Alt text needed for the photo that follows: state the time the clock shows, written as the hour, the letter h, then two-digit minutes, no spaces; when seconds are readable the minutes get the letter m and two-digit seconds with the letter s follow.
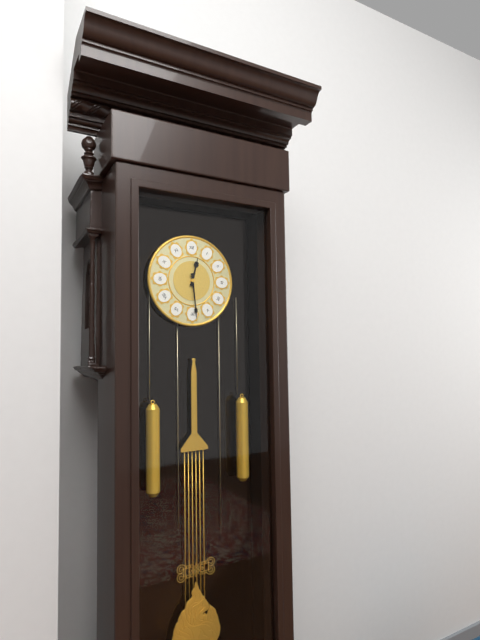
12h29
